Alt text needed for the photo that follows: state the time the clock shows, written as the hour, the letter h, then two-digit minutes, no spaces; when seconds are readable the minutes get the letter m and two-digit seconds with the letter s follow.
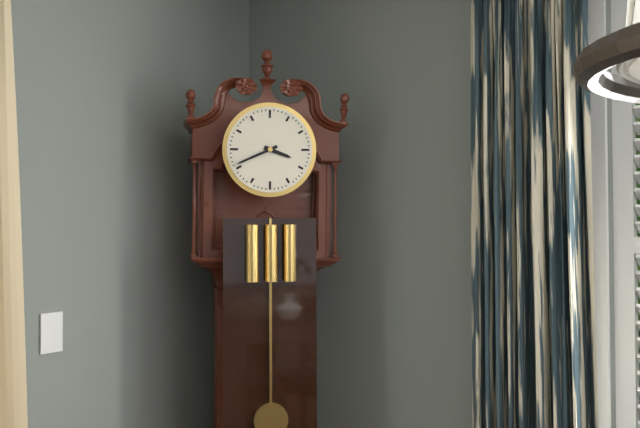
3h41
